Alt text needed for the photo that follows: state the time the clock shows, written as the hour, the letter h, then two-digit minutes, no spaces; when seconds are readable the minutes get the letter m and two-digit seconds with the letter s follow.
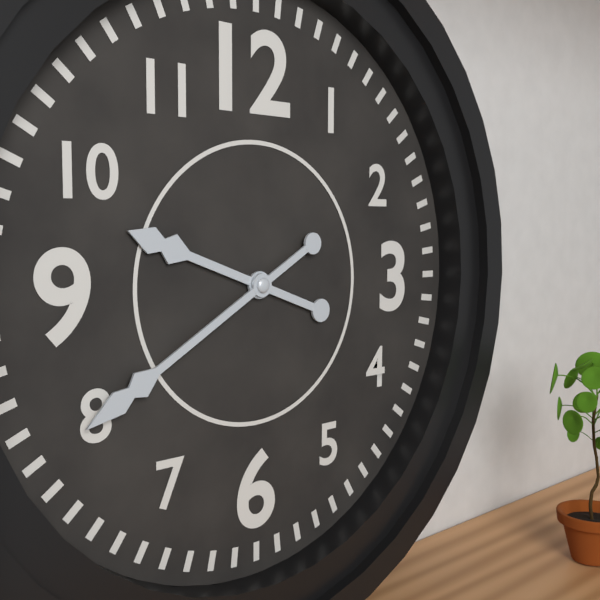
9h40
